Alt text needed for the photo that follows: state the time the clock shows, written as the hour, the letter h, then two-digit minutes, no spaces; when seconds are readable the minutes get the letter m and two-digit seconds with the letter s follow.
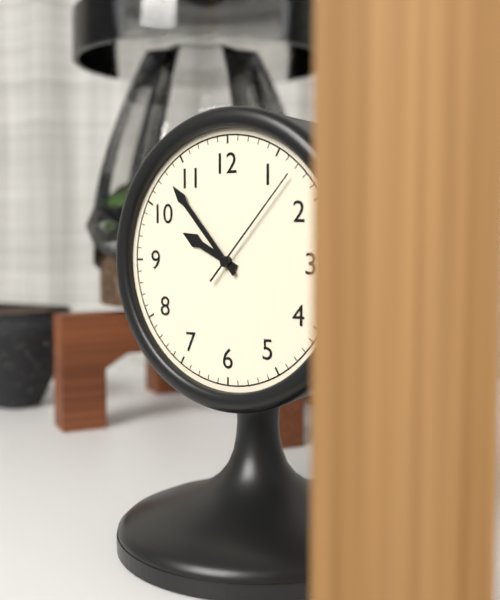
9h53m07s
